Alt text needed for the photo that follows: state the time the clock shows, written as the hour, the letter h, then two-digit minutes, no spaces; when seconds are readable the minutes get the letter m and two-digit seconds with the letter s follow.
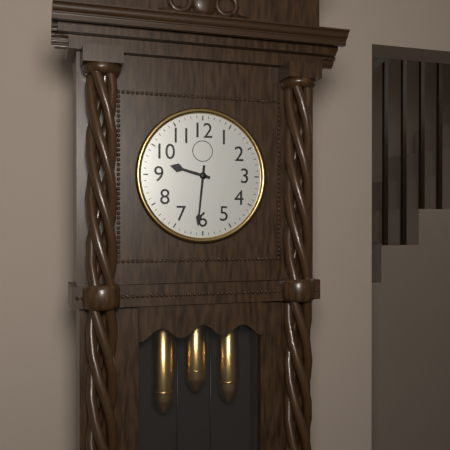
9h31
